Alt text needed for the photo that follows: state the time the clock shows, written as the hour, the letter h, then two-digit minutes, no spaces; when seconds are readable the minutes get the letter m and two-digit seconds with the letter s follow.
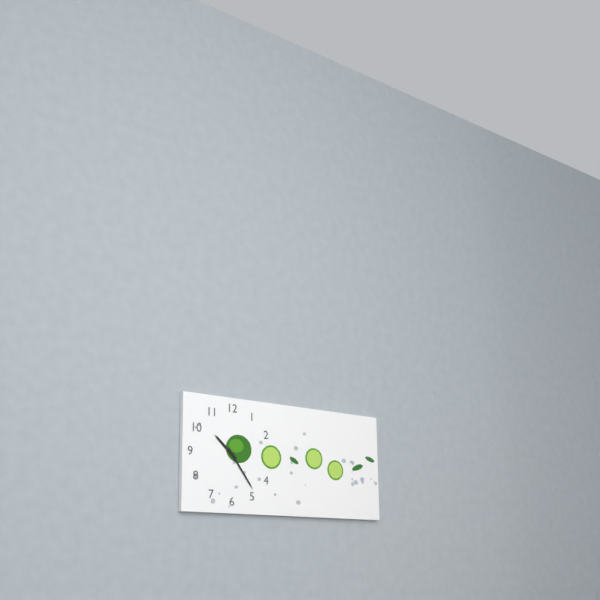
10h24
